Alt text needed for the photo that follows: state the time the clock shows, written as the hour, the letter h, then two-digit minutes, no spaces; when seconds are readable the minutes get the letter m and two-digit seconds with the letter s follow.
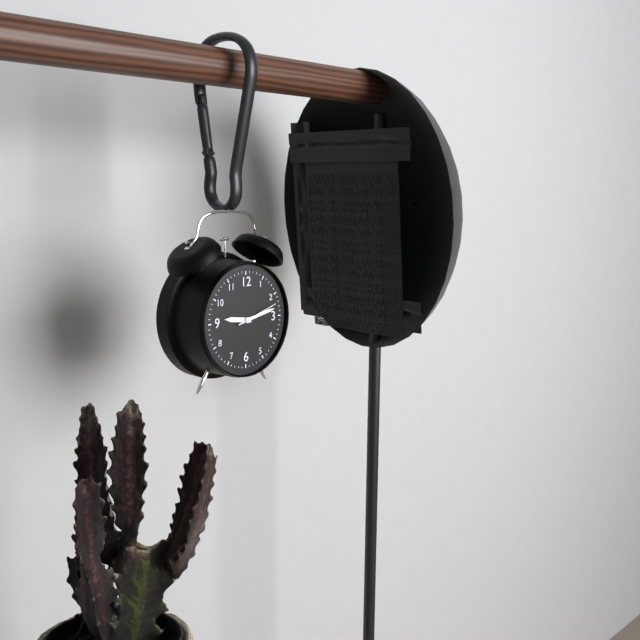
9h13
